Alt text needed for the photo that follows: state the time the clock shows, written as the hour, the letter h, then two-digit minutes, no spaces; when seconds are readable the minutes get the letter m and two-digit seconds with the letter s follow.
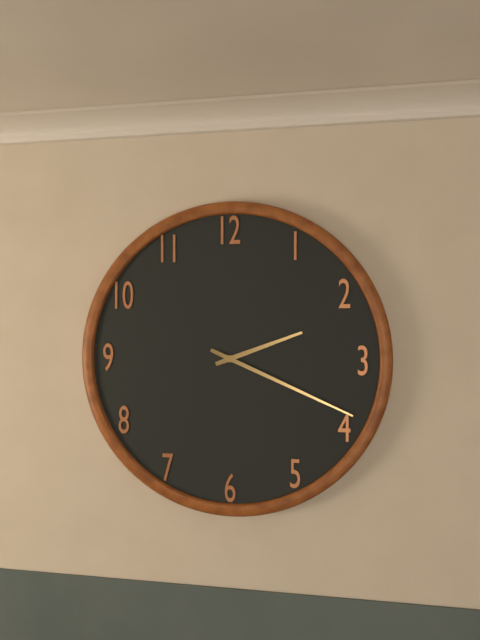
2h19
